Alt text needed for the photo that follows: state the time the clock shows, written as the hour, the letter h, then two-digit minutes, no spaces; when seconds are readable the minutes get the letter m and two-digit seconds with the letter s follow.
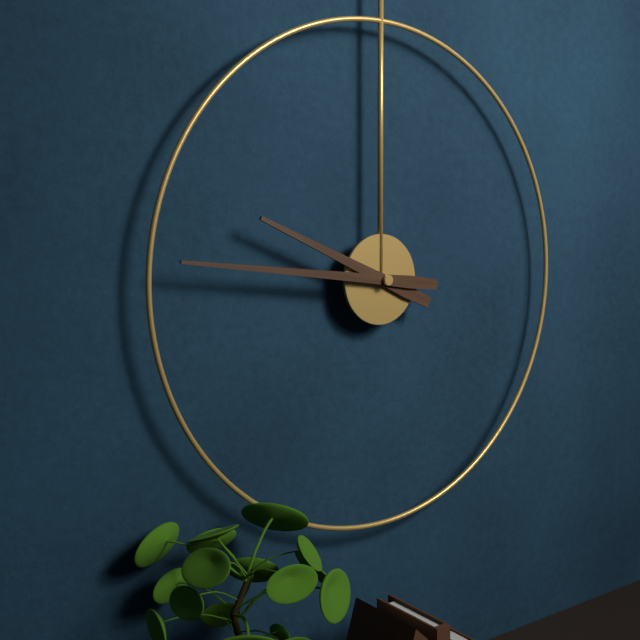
9h46
